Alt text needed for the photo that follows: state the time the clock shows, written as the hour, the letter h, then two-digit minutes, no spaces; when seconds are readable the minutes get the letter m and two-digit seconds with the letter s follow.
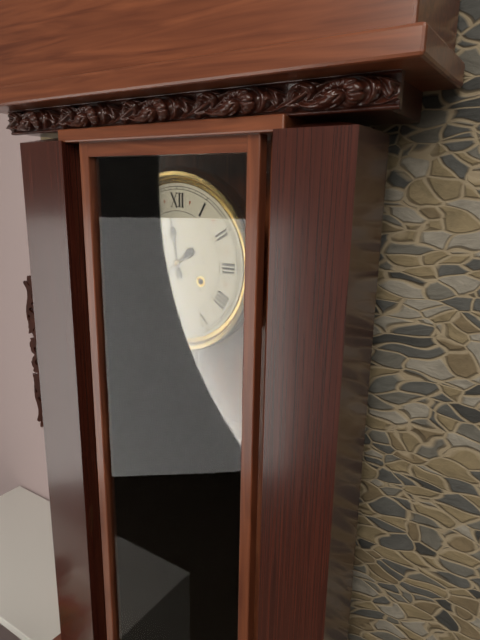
11h39
